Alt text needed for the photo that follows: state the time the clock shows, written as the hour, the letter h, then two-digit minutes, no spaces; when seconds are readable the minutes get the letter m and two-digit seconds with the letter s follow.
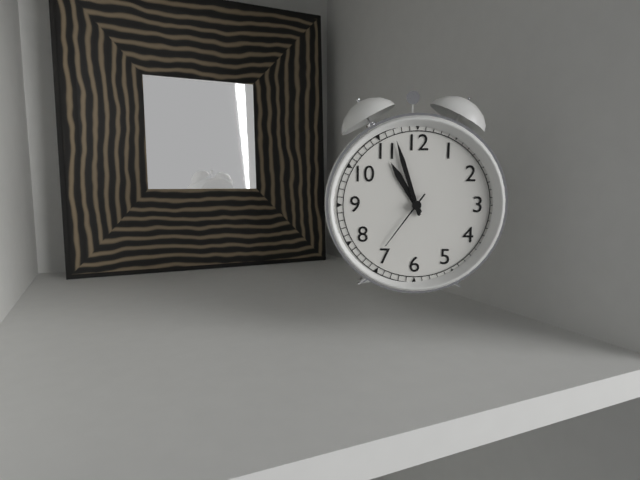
10h57m36s
